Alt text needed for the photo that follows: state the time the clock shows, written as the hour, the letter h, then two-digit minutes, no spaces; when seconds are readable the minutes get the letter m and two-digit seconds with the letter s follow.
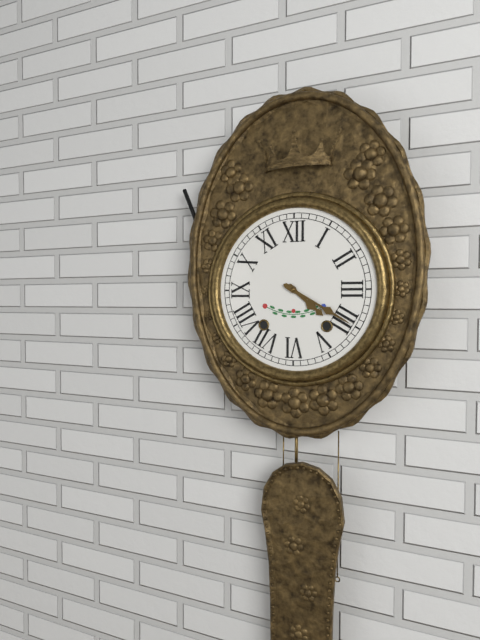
4h20
